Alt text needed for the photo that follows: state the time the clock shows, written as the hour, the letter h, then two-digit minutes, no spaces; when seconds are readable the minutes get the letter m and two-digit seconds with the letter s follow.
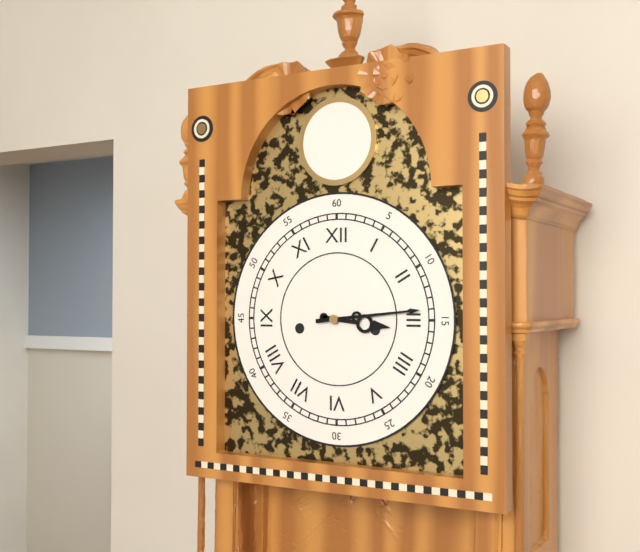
3h14
